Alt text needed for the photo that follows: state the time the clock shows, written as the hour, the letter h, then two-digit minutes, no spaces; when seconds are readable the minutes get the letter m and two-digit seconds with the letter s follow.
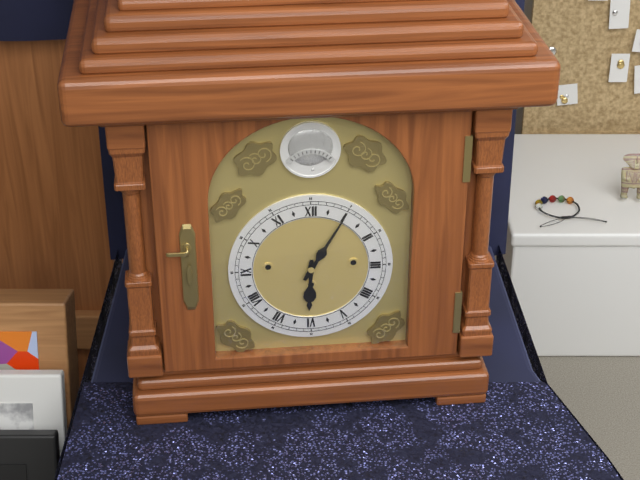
6h05
